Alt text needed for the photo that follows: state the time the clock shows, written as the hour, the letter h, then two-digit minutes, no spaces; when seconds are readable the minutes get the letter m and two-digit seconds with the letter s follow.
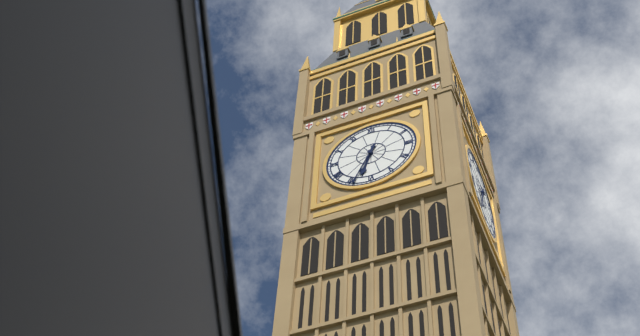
6h34
